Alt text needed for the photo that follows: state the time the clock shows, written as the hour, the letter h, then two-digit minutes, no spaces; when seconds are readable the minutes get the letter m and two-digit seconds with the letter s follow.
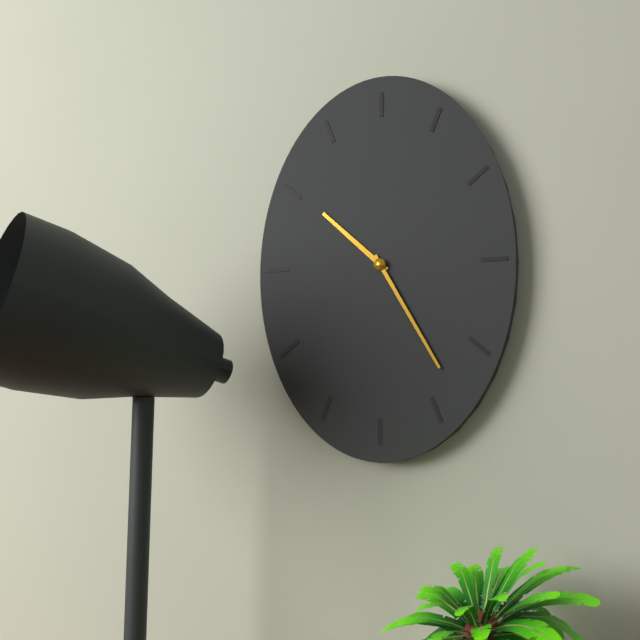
10h25
